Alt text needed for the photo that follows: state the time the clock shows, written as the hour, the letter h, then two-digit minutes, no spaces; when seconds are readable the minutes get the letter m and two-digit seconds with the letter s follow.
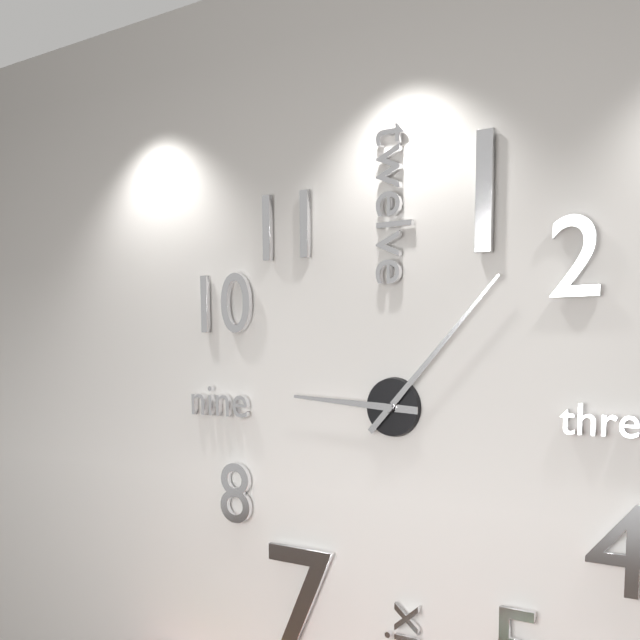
9h07
